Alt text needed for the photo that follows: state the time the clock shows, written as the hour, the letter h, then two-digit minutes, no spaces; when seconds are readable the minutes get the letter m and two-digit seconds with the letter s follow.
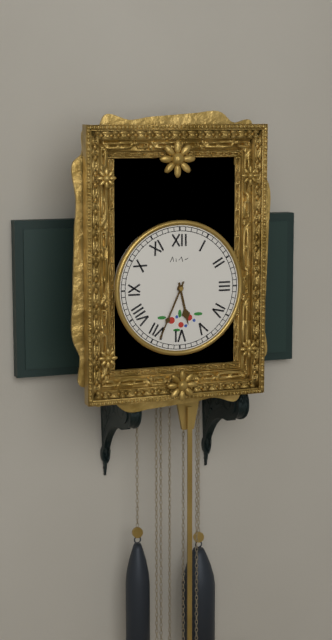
5h34
